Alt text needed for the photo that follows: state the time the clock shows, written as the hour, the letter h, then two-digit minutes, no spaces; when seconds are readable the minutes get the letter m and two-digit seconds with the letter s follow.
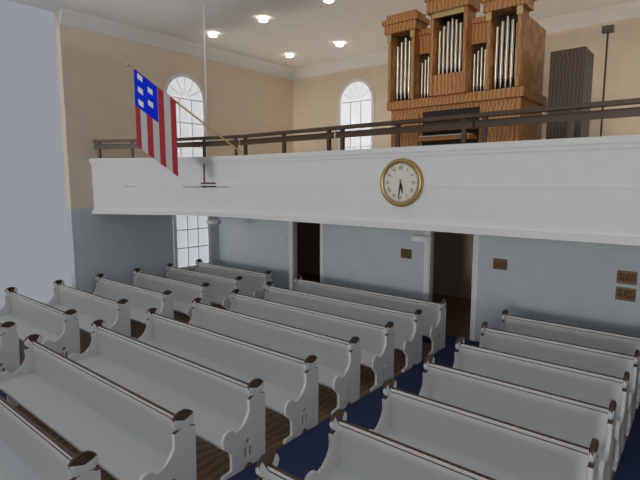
5h31
